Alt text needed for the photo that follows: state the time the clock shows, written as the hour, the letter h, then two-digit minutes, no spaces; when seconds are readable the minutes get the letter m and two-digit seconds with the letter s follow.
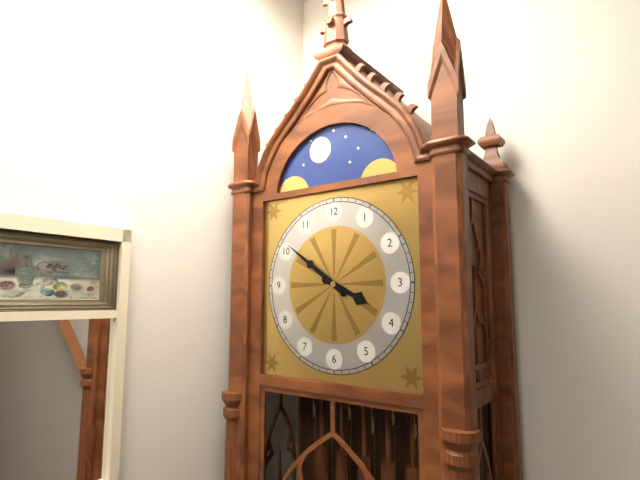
3h51
